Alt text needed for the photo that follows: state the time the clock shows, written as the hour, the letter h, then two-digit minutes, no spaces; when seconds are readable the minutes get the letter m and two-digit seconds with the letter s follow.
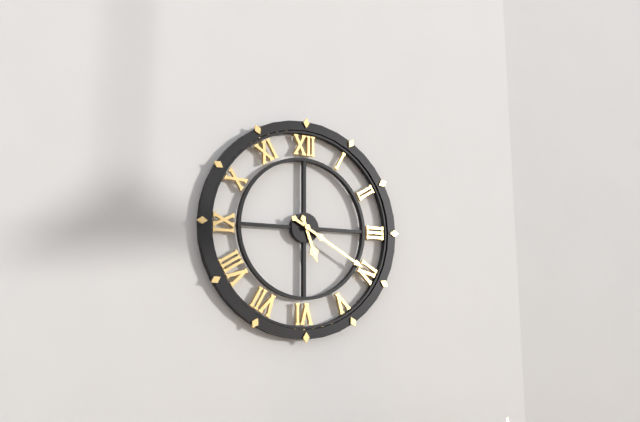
5h20
